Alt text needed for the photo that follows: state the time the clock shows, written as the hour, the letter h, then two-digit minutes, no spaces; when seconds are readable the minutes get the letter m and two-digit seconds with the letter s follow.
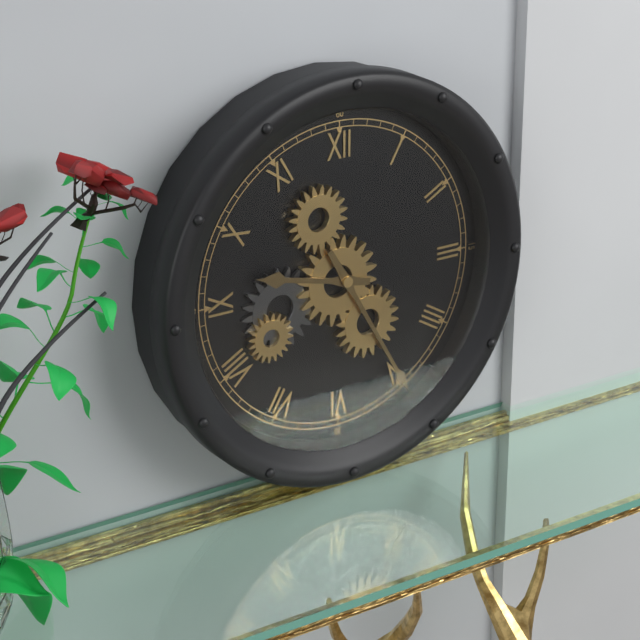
9h25
